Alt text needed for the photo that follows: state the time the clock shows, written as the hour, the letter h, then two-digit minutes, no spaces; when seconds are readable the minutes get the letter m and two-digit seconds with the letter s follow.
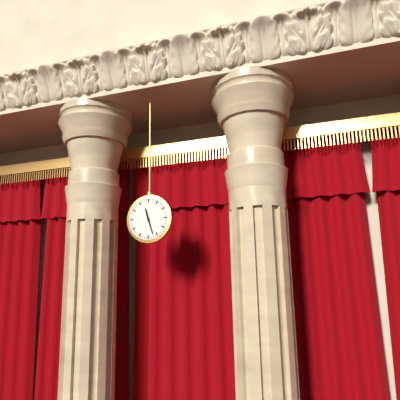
11h27
